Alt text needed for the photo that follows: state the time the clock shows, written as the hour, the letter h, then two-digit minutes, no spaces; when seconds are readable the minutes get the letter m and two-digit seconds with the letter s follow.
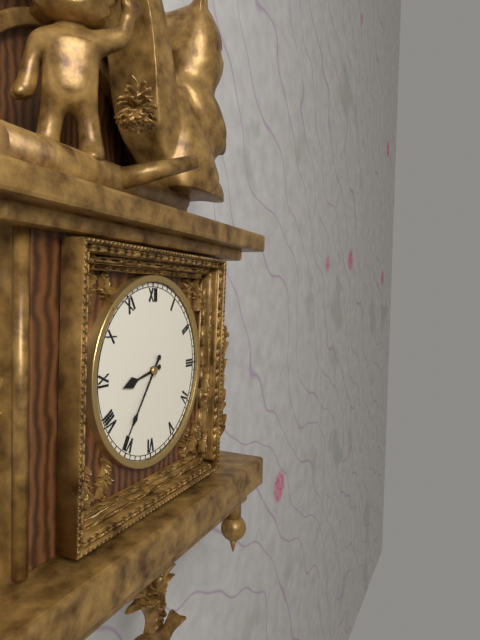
8h36
